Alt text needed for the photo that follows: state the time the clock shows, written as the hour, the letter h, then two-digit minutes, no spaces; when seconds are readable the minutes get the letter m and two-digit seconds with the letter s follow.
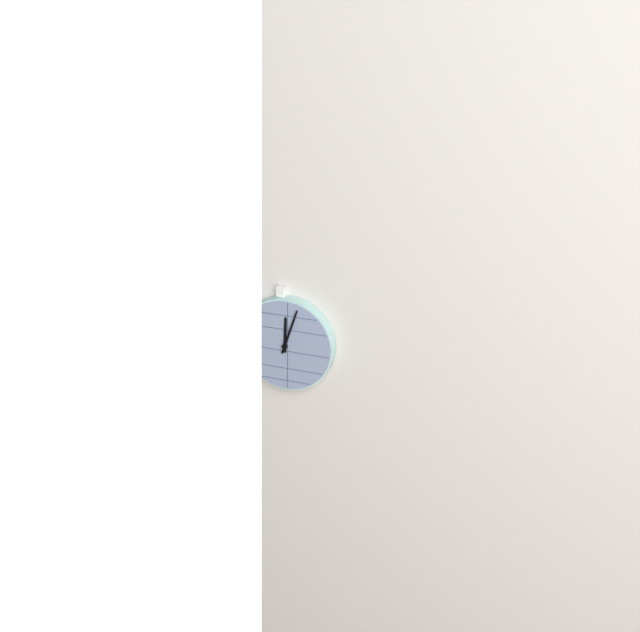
12h03
